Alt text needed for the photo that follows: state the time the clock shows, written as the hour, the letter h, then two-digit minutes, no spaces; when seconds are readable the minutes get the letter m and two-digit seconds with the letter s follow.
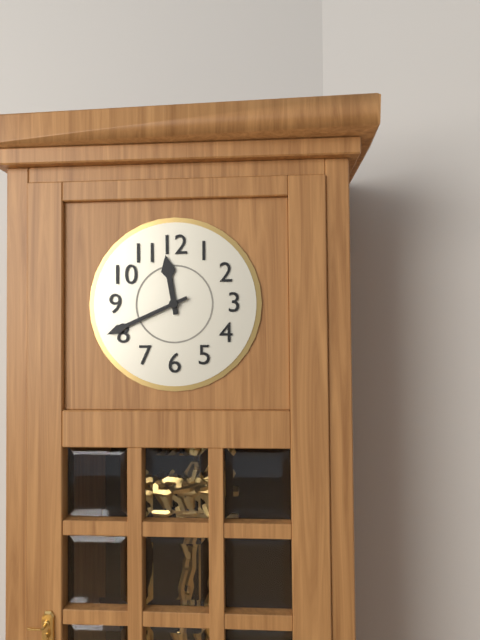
11h41
